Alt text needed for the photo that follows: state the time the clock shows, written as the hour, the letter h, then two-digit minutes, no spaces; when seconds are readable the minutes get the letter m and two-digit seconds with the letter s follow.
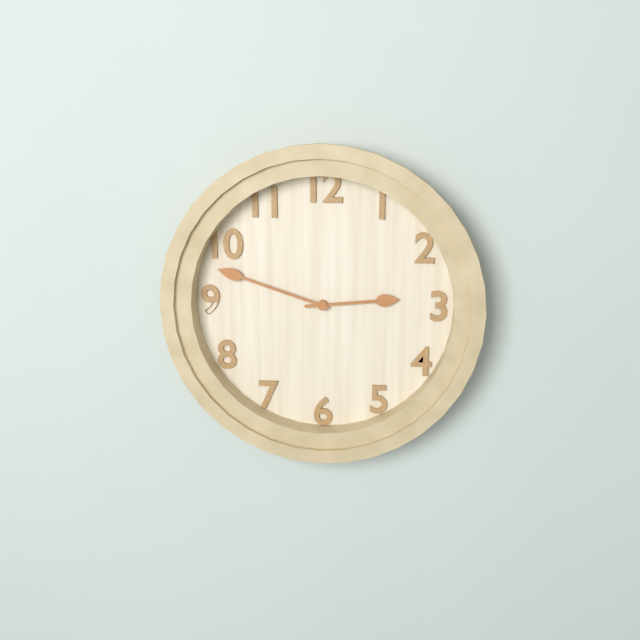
2h48
